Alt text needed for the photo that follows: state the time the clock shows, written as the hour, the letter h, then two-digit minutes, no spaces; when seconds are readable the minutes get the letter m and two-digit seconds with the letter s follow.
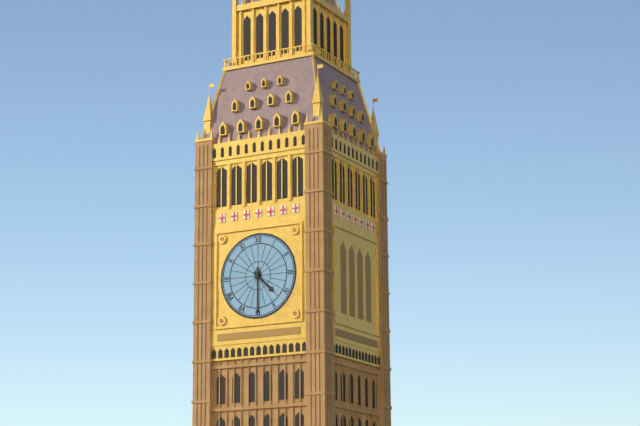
4h30
